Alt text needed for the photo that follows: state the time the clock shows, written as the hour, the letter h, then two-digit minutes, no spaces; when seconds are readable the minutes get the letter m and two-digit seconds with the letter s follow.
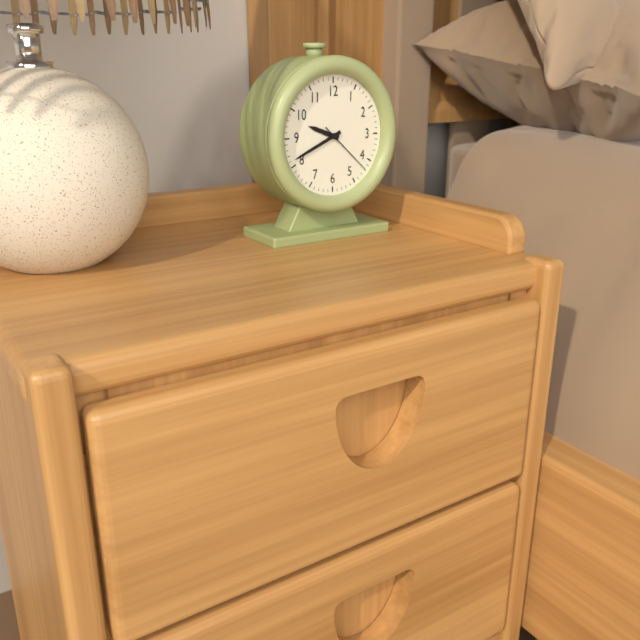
9h41m22s
